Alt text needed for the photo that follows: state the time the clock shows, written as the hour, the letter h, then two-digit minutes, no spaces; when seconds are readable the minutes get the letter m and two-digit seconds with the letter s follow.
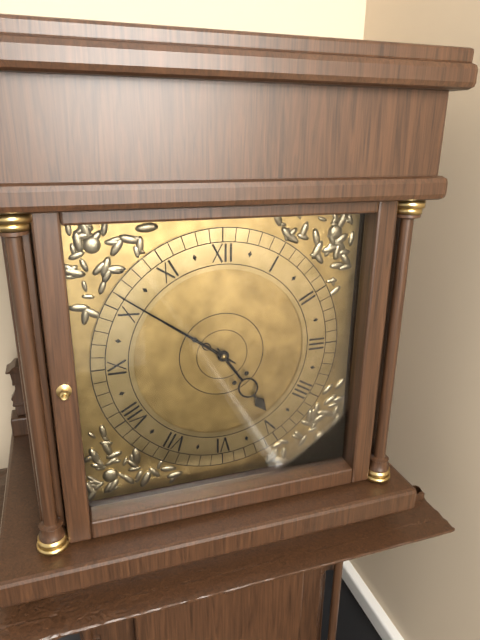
4h51
